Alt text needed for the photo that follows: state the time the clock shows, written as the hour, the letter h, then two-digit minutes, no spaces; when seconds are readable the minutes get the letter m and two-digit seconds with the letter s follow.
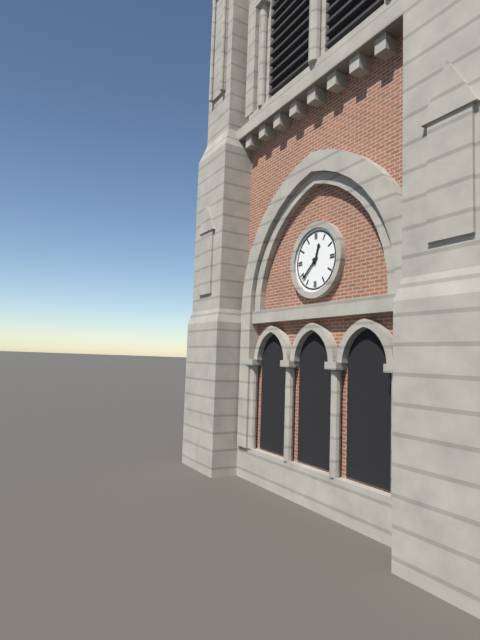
12h38
